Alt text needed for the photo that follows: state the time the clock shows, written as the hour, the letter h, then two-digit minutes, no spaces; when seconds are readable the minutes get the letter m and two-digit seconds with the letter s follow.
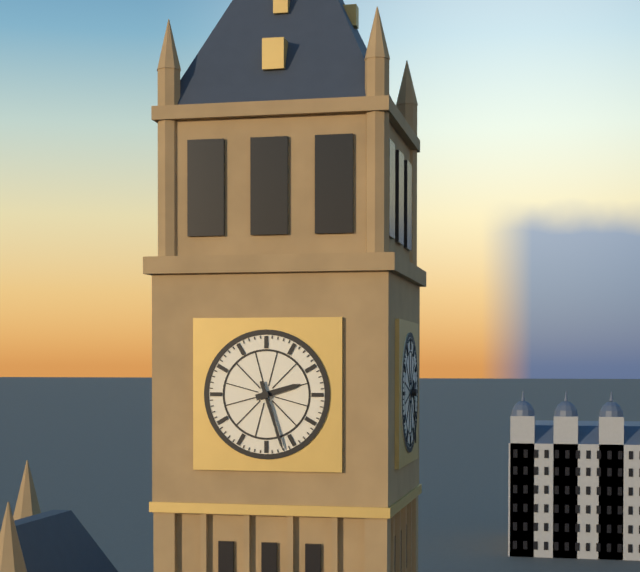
2h27
